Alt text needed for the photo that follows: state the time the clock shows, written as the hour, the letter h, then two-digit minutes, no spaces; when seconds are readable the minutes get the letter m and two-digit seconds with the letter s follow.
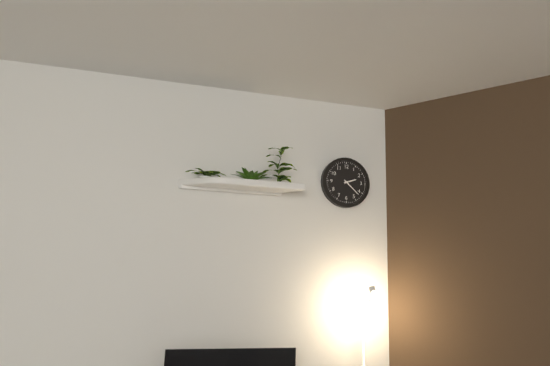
2h22
